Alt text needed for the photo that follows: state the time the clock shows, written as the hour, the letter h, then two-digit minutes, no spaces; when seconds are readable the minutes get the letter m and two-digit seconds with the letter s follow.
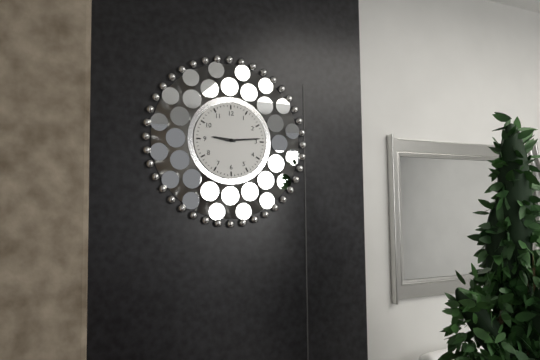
9h14
